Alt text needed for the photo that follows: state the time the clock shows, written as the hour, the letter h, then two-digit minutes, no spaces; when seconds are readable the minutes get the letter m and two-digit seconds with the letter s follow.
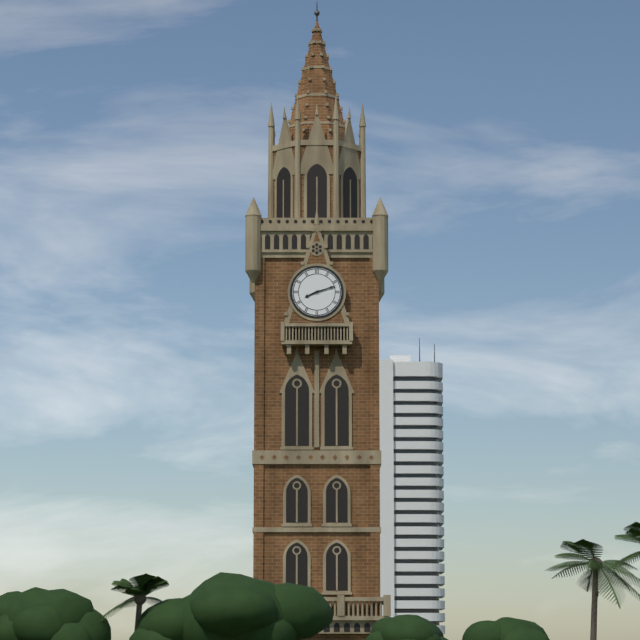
8h12
